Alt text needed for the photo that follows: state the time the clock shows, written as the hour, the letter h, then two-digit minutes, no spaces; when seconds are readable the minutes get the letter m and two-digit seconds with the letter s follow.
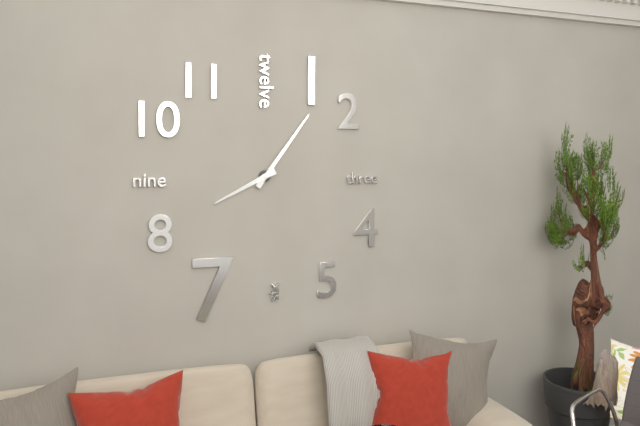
8h06
